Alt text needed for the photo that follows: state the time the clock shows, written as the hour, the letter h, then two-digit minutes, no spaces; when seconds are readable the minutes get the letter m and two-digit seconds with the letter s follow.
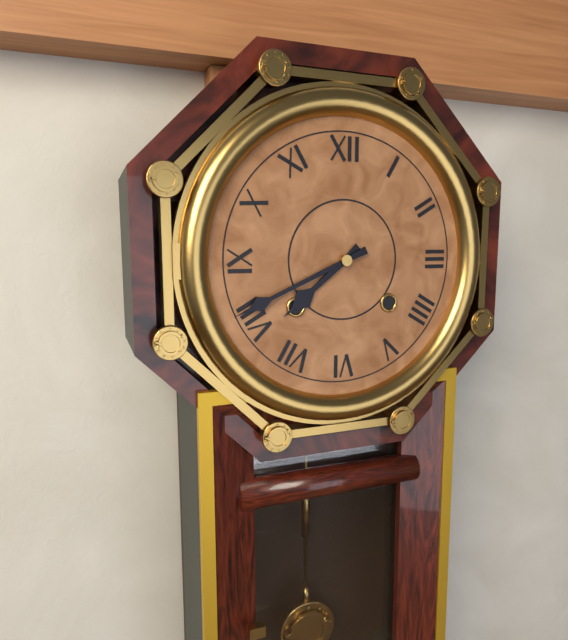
7h41
